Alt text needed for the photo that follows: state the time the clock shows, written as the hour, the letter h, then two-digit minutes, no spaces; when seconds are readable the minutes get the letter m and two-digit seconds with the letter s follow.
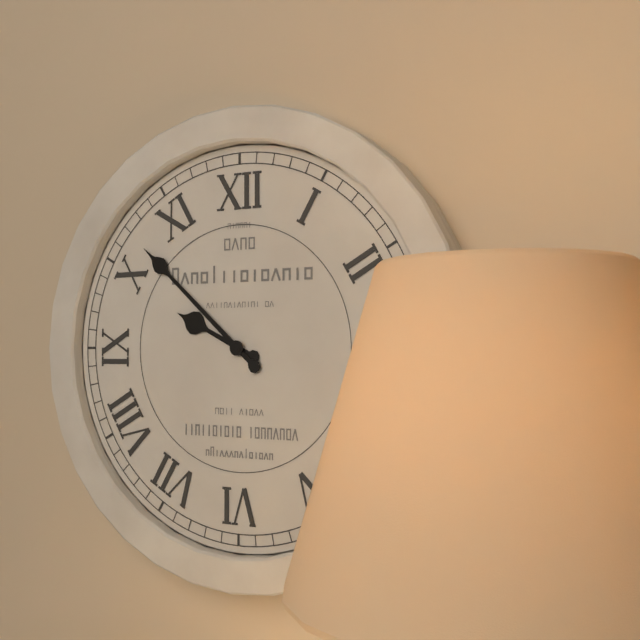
9h52
